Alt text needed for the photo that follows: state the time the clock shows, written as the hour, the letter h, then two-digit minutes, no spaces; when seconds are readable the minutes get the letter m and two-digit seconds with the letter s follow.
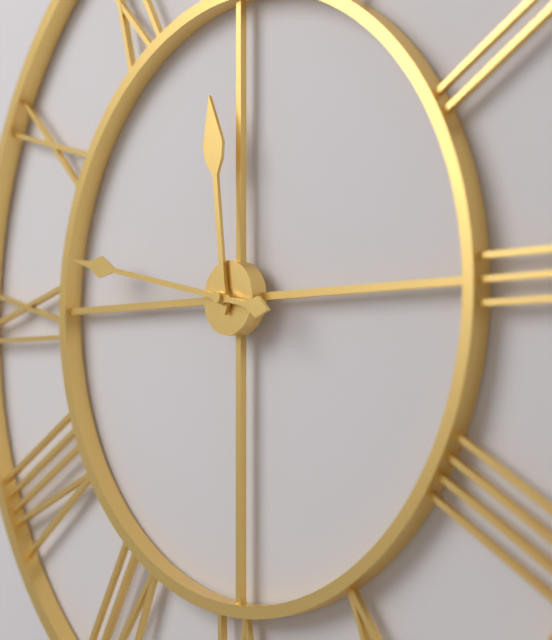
11h47
